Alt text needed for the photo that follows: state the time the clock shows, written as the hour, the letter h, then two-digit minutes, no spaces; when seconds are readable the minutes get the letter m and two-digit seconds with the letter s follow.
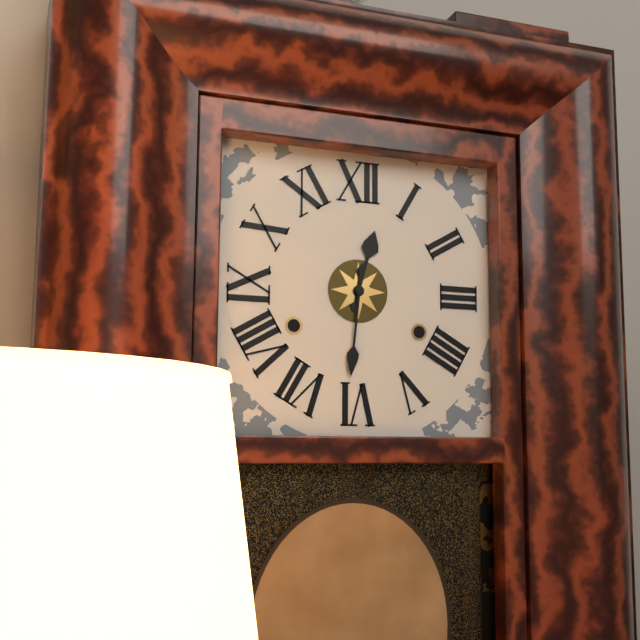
12h31
